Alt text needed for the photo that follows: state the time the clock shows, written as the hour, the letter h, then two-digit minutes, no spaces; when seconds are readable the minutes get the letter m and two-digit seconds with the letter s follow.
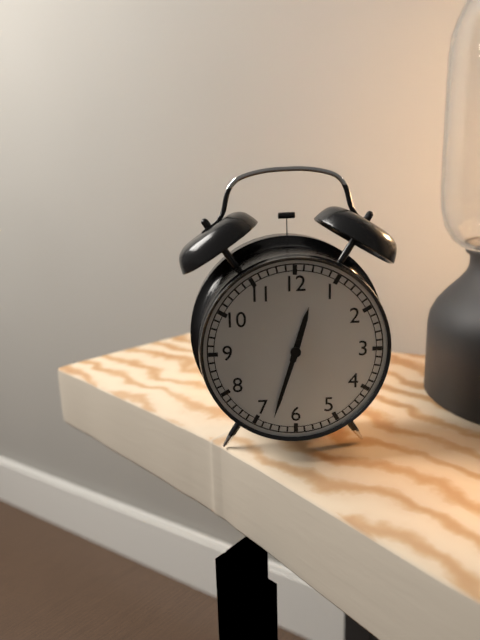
12h33
